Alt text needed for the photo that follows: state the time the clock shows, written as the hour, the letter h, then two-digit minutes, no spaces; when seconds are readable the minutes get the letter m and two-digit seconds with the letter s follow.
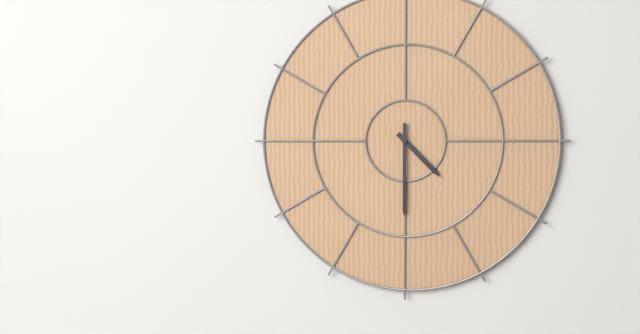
4h30
